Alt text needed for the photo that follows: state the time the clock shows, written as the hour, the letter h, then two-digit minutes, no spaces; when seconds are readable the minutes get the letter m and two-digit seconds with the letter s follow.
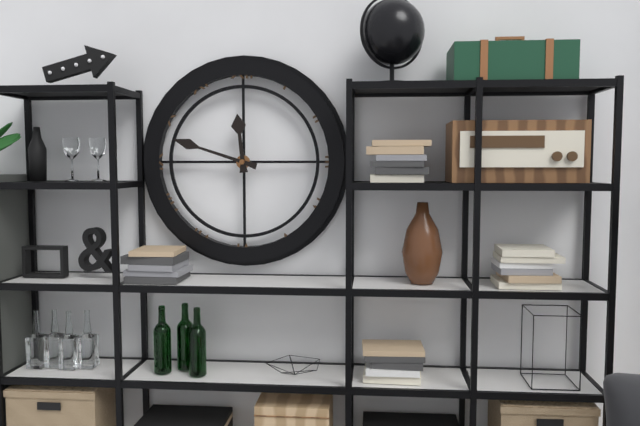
11h48
